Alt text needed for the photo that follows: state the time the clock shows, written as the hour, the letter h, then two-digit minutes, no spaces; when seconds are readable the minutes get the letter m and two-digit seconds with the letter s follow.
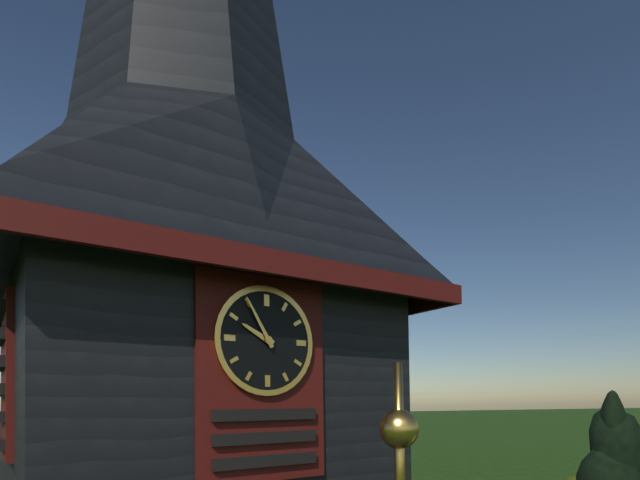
9h55
